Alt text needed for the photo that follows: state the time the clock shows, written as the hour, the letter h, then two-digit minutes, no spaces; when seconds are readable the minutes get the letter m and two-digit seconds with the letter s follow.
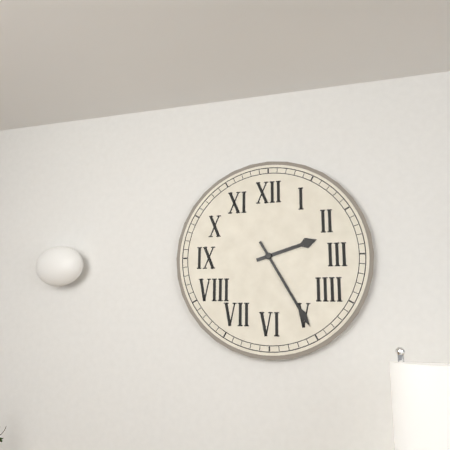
2h25
